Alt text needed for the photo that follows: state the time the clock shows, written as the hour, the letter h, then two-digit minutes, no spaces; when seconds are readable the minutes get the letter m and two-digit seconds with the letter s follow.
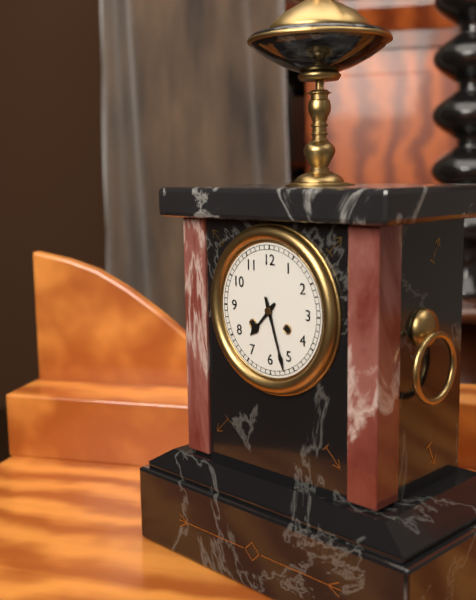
7h27
